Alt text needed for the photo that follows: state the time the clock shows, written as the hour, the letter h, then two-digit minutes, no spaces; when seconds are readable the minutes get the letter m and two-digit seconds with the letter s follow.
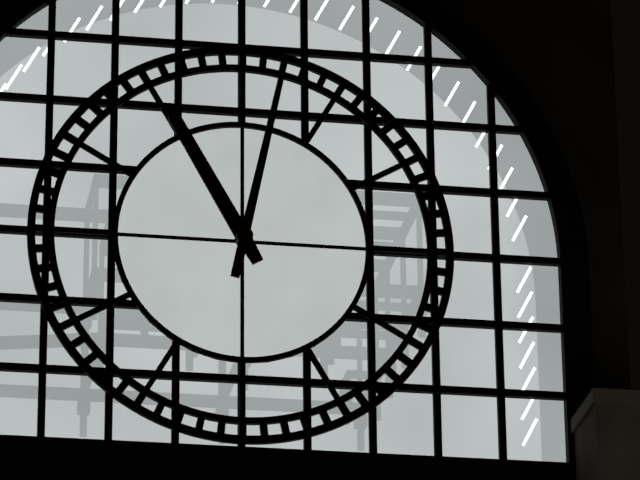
11h02
